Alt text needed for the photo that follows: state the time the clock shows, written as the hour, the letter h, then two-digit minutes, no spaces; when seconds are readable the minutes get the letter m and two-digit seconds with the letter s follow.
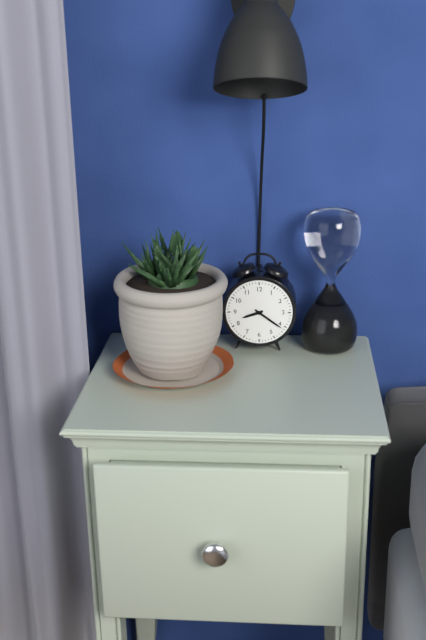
8h21
